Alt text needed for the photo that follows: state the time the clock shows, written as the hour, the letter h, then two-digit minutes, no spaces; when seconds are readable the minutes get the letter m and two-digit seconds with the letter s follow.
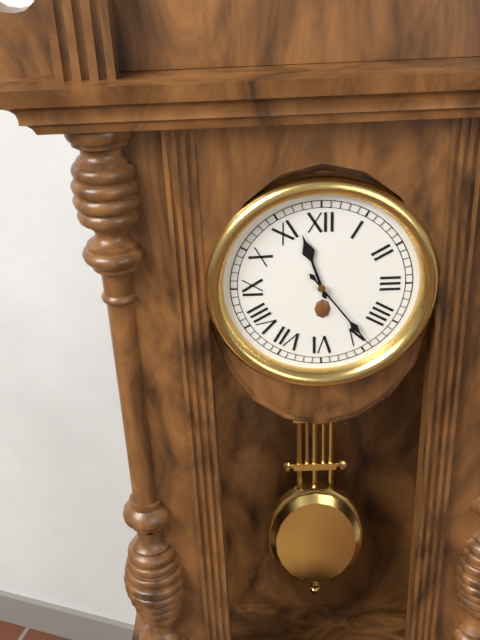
11h24
